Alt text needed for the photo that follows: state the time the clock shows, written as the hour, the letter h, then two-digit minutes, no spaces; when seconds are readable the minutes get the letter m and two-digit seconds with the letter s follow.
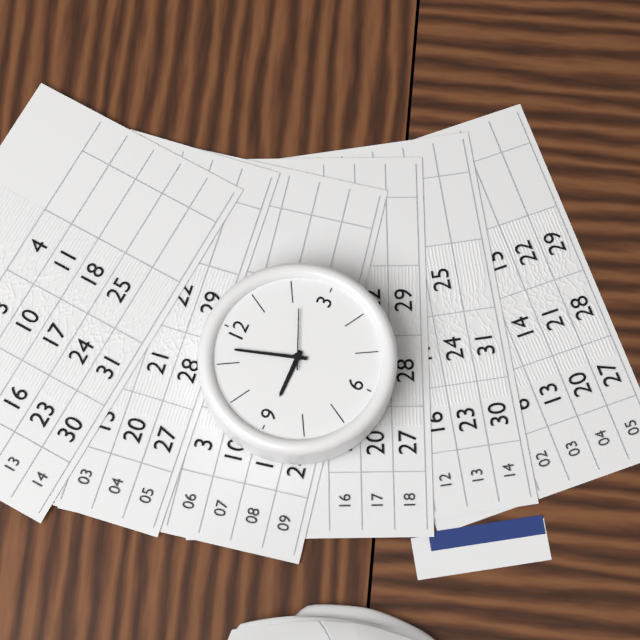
8h57m11s
